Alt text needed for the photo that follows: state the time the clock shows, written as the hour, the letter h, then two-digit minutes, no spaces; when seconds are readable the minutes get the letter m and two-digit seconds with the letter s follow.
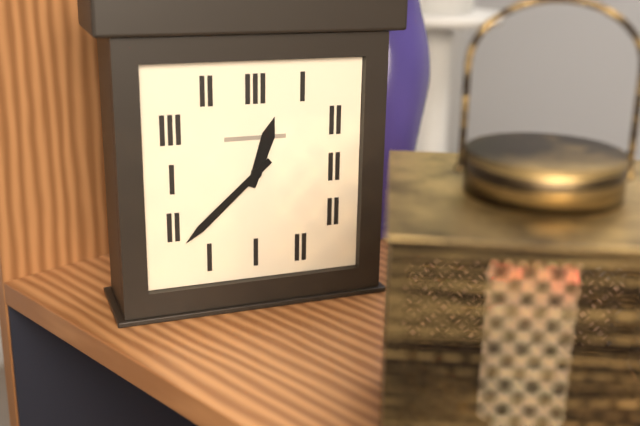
12h38
